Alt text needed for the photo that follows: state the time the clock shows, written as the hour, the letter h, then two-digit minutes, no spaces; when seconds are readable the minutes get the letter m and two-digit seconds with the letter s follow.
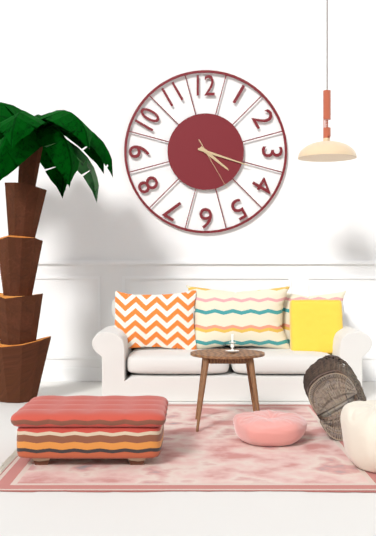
4h18m25s
